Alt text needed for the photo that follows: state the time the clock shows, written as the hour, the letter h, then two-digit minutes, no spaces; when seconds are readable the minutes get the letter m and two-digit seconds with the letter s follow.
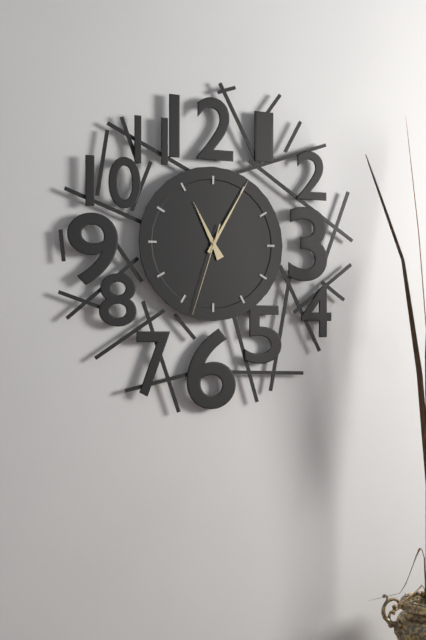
11h05m33s
